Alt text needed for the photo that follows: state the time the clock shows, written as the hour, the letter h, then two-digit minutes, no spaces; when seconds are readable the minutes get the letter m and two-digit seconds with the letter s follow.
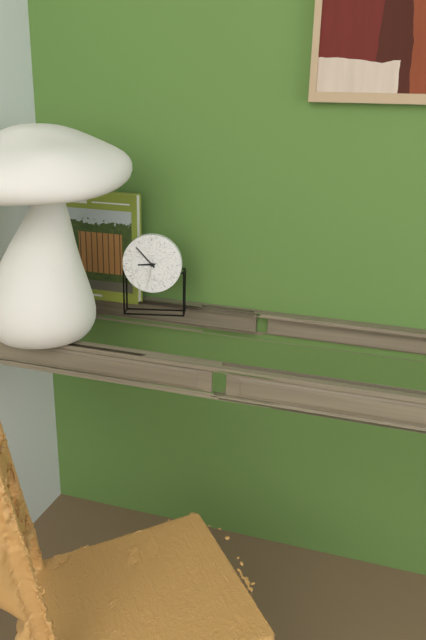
8h53
